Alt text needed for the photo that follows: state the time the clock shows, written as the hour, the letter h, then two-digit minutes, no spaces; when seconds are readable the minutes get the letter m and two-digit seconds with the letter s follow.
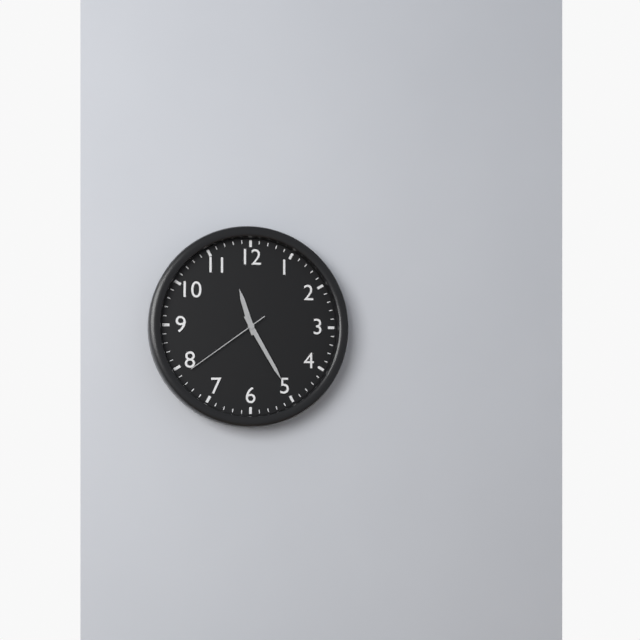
11h25m39s
